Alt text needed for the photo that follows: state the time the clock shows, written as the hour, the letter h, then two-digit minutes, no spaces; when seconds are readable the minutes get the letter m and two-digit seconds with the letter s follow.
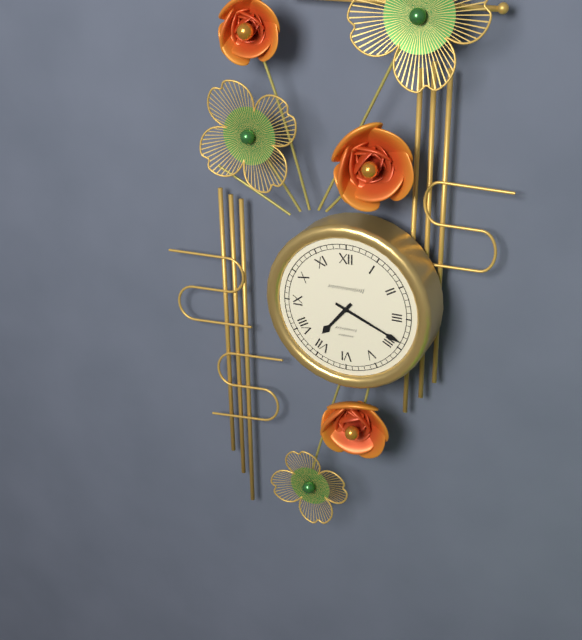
7h19
